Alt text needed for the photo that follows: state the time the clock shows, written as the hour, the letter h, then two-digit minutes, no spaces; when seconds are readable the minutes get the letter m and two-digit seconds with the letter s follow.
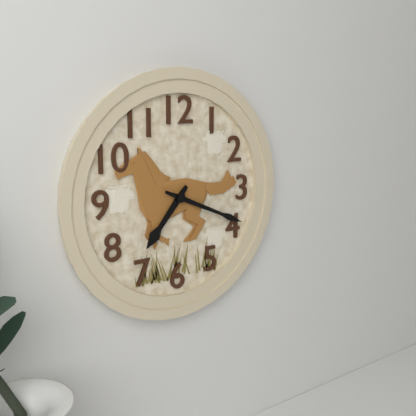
7h19
